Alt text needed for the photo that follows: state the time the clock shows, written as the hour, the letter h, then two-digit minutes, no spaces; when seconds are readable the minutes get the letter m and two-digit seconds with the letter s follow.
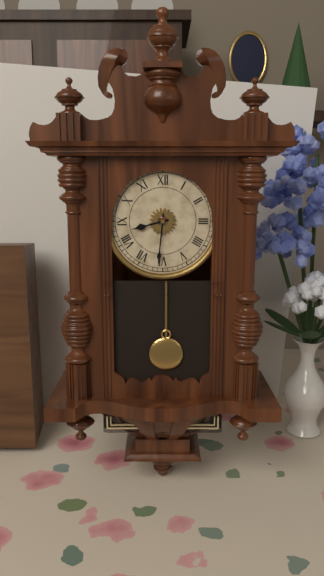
8h31
